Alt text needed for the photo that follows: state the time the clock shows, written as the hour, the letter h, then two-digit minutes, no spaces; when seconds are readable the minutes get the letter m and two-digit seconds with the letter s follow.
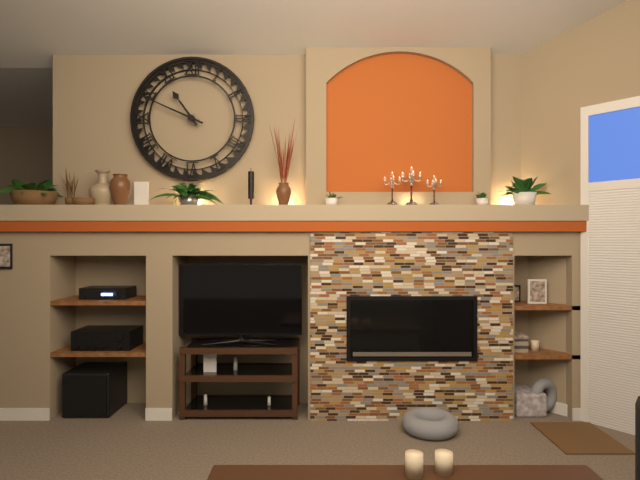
10h49
